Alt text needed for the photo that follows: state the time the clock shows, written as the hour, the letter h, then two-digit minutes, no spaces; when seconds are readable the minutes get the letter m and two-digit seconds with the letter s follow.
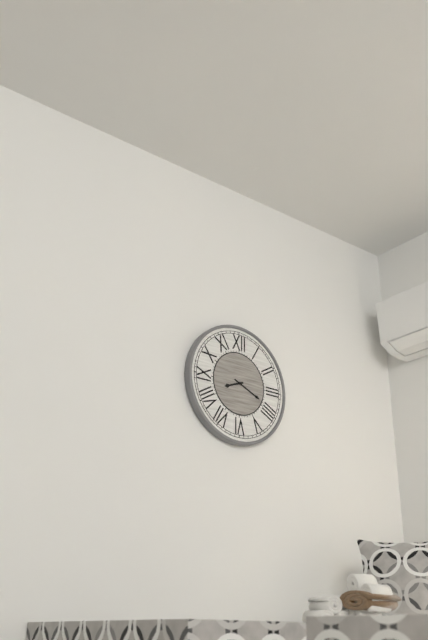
8h19
